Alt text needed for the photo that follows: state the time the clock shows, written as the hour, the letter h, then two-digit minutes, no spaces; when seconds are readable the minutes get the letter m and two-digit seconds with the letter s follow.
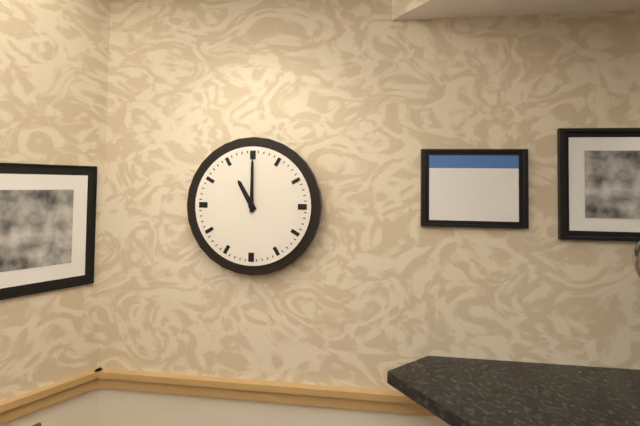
11h00
